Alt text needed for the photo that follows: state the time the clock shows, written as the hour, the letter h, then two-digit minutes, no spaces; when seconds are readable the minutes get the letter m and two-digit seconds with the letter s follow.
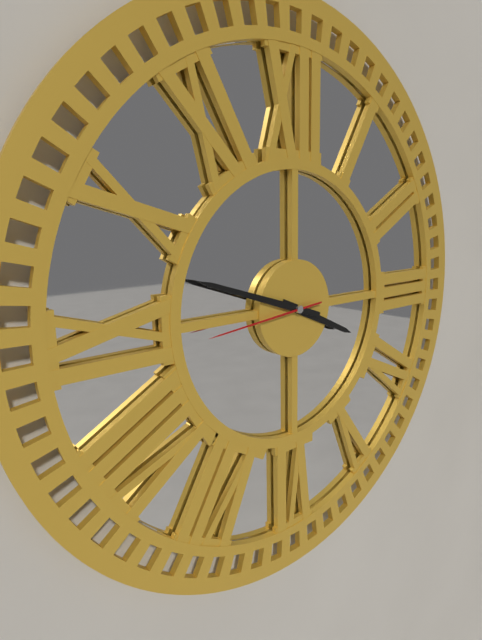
3h48m44s
